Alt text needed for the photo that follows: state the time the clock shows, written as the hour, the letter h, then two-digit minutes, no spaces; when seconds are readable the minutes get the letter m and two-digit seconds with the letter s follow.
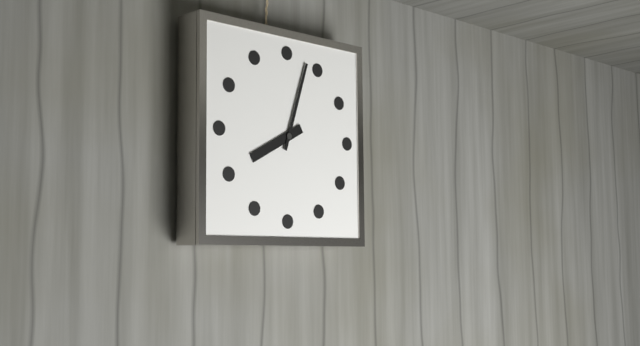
8h03
